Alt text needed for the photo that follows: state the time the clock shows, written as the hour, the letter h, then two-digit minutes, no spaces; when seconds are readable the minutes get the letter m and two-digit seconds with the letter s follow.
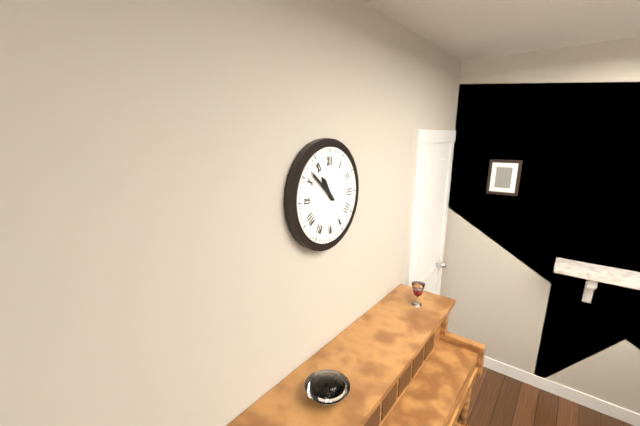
10h52
